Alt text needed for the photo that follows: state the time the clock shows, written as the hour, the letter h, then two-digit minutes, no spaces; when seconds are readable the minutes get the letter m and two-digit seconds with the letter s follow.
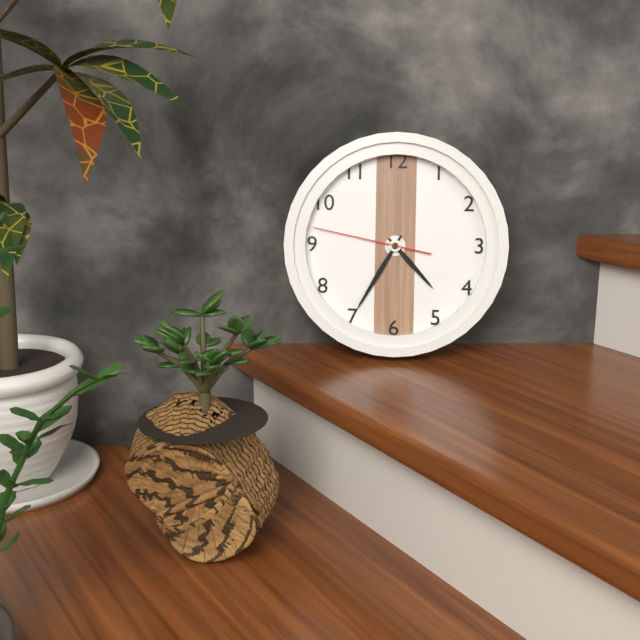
4h35m47s
